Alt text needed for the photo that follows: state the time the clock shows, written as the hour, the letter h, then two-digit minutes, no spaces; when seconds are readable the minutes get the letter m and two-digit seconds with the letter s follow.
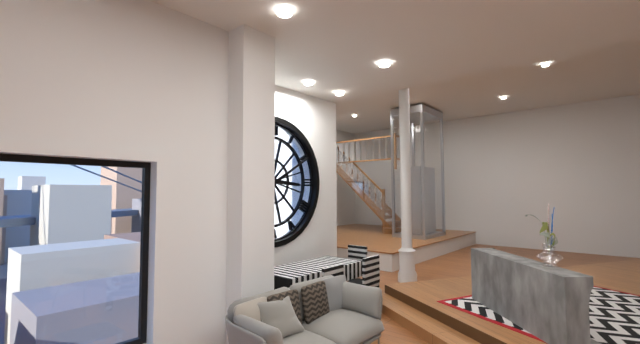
3h10
